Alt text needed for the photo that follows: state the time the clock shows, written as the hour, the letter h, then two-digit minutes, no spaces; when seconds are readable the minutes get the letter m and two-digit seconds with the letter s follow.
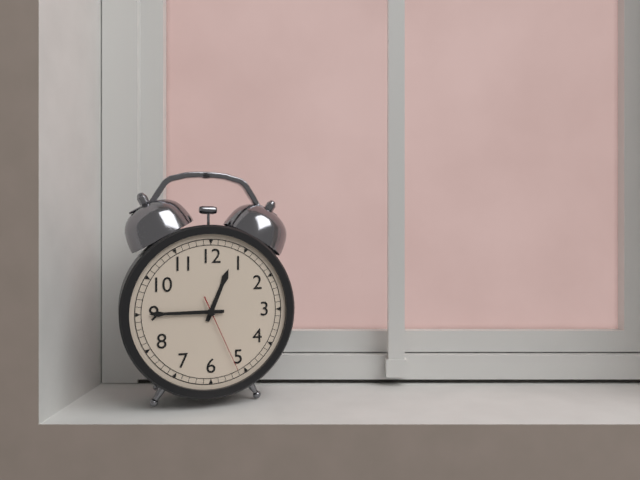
12h45m26s
